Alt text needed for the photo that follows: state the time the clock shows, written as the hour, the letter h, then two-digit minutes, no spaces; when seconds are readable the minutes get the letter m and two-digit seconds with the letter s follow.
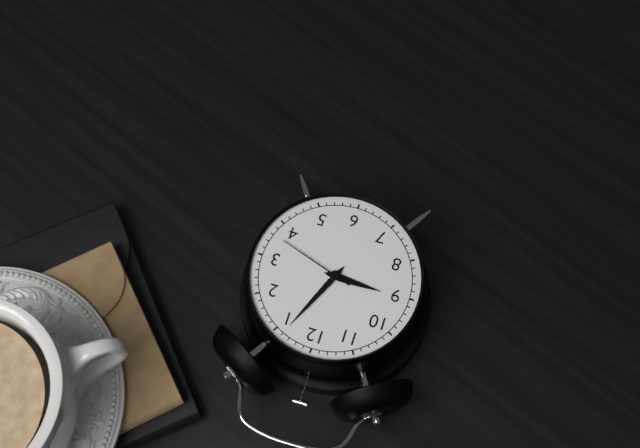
9h04m18s
